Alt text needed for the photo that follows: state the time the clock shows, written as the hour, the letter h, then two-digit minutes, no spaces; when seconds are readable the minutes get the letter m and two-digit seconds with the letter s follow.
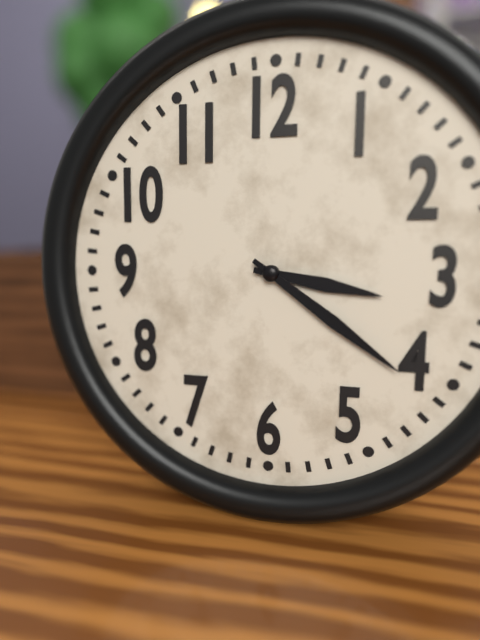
3h21
